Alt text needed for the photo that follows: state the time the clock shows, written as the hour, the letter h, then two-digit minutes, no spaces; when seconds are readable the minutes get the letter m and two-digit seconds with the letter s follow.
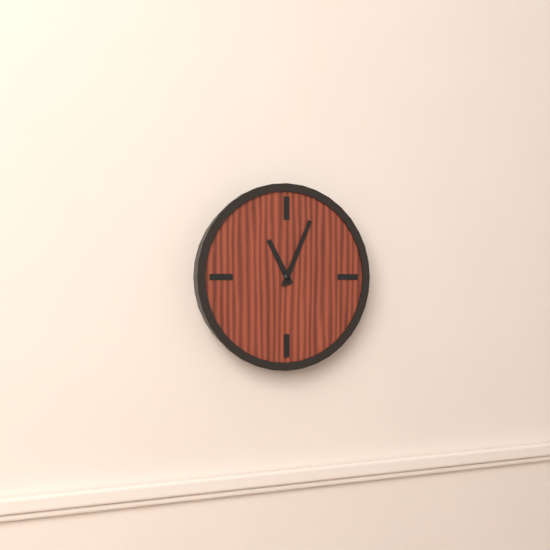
11h04
